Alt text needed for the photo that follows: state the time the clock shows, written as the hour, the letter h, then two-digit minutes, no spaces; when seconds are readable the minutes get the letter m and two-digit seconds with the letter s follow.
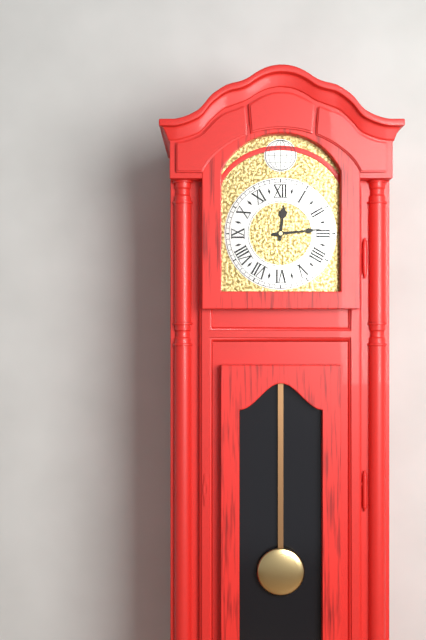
12h14
